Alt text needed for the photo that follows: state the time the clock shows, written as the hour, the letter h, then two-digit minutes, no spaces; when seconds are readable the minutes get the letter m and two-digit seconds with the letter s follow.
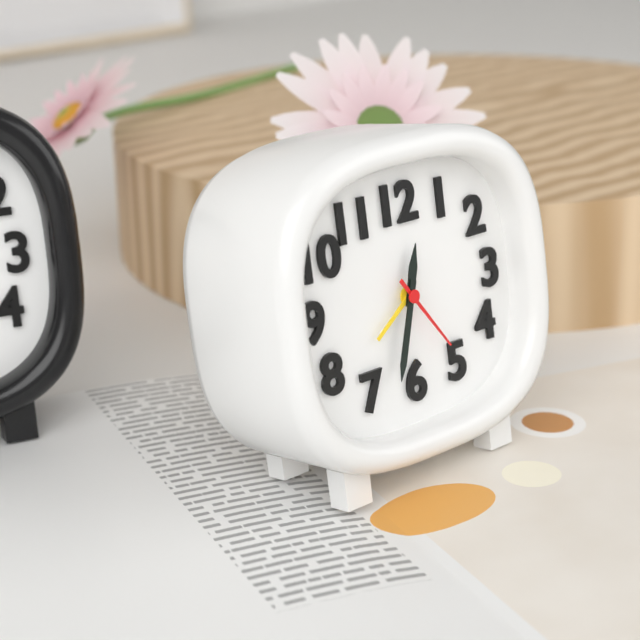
12h33m24s
